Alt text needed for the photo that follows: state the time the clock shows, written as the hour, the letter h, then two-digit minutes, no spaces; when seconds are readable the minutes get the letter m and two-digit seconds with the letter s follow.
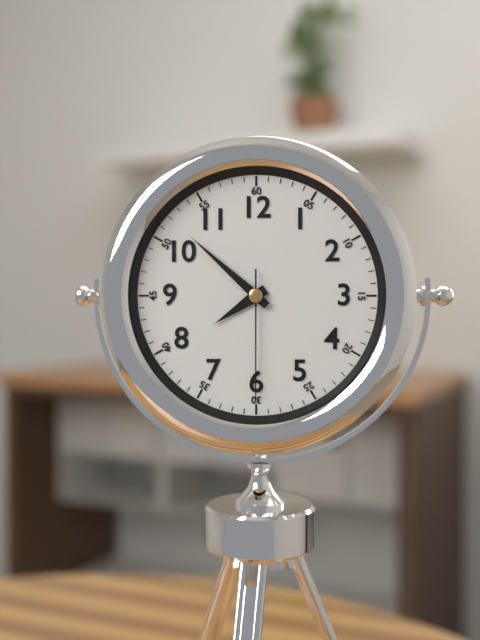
7h52m30s
